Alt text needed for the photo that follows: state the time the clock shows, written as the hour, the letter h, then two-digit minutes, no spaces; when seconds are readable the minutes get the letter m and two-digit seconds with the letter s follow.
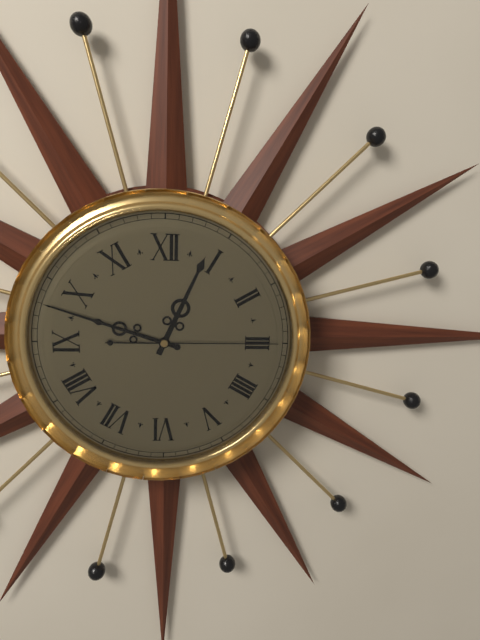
12h48m15s
